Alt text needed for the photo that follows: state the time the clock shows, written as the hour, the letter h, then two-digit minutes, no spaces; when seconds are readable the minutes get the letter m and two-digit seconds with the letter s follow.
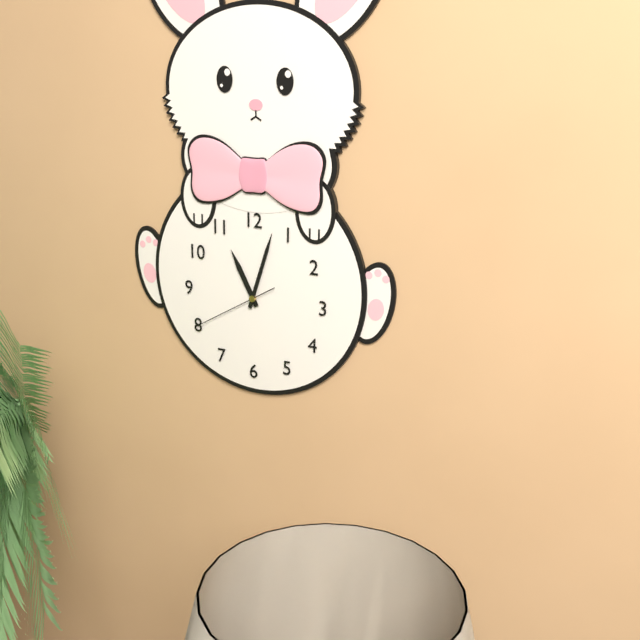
11h03m40s
